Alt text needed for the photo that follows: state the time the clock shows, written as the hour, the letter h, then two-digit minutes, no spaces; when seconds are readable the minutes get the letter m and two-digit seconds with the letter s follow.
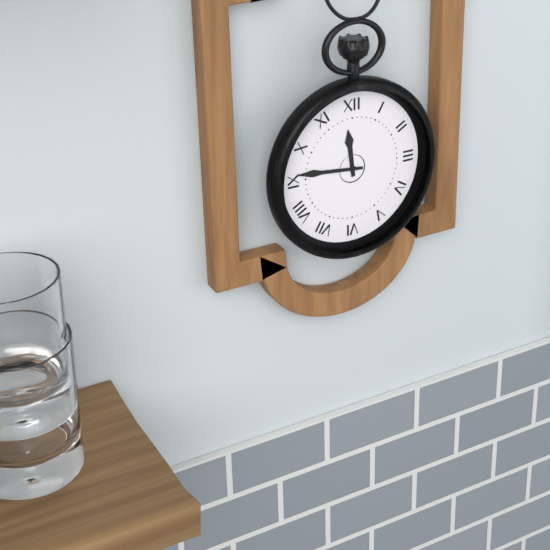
11h46
